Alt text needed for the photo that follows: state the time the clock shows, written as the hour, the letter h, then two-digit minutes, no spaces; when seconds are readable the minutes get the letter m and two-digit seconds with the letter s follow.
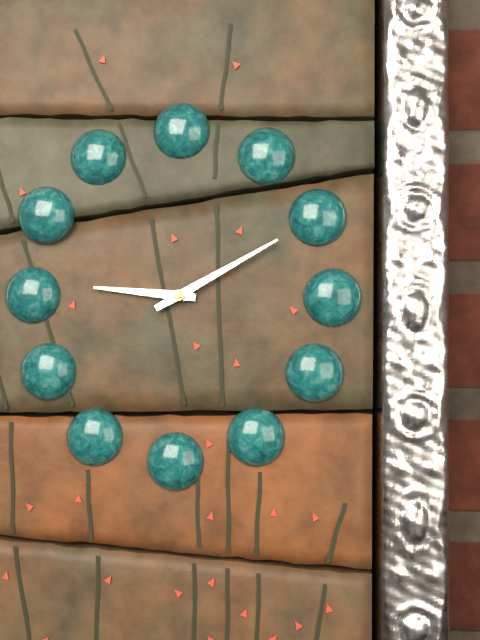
9h10
